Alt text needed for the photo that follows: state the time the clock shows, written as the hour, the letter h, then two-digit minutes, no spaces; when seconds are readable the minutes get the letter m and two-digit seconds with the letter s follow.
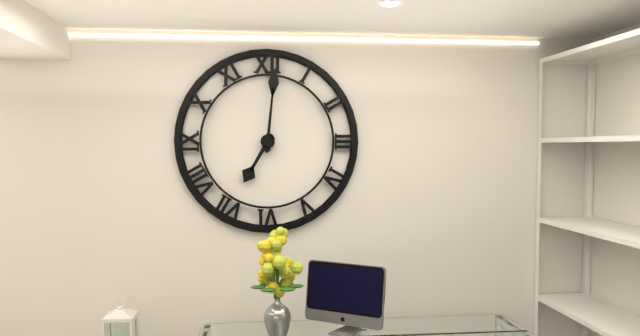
7h01
